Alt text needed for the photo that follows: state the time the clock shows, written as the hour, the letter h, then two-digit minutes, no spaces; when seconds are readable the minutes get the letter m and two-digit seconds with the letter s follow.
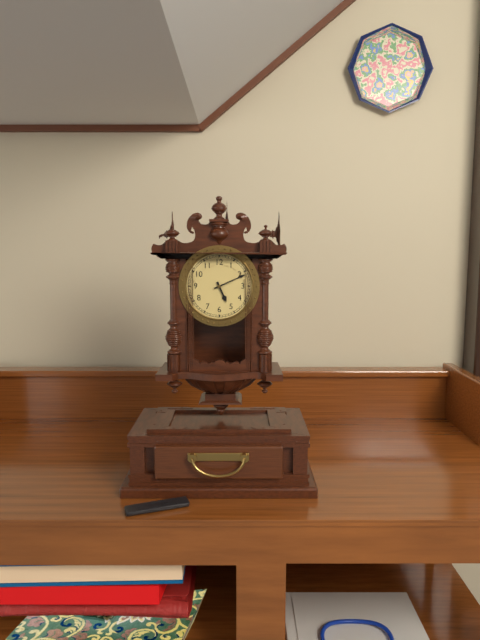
5h11
